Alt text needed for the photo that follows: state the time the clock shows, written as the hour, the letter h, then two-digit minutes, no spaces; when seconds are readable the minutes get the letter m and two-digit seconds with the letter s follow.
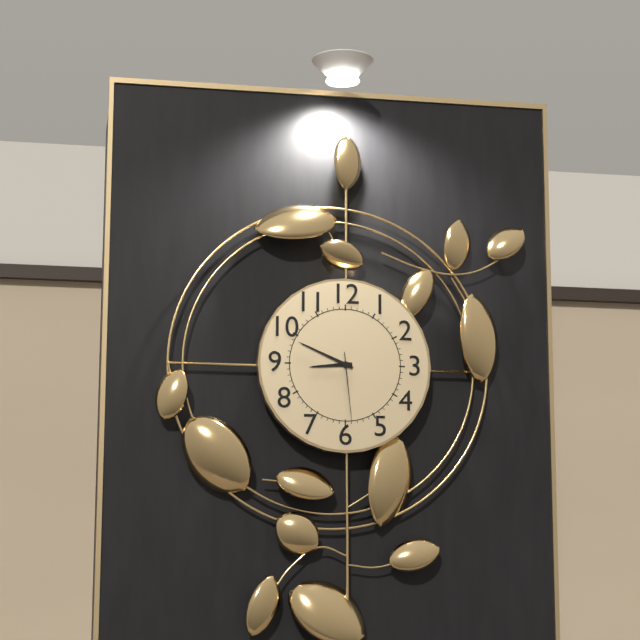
8h49m29s
